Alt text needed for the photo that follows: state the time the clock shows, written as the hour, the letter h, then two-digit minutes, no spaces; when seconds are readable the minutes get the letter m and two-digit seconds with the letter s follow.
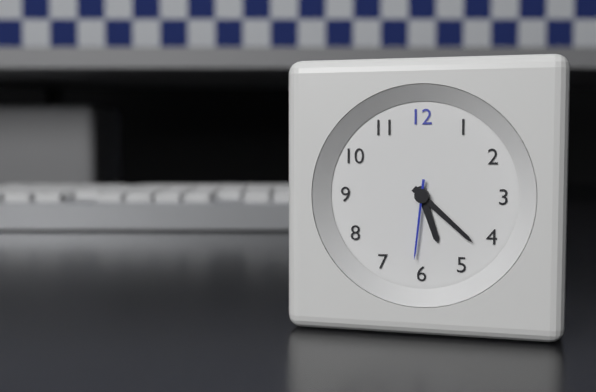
5h22m31s
